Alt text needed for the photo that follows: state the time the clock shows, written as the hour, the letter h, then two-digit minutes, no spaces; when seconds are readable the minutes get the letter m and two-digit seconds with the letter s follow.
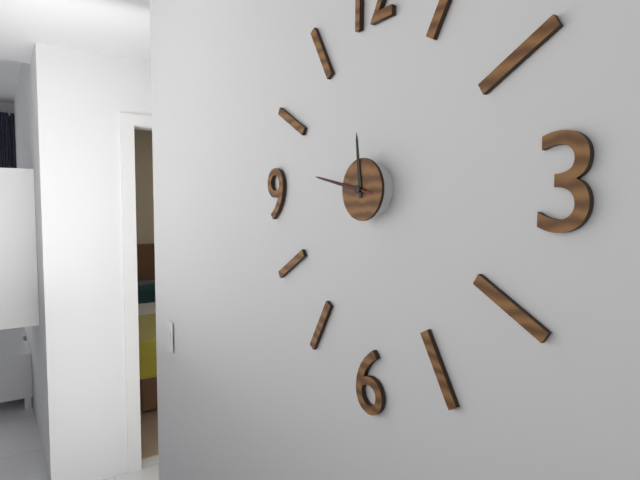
11h47m47s
